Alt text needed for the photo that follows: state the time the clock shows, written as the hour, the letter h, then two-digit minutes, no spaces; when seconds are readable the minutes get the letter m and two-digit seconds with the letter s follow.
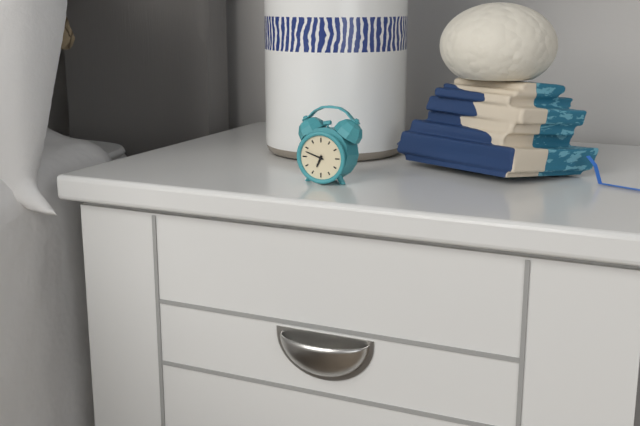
6h48
